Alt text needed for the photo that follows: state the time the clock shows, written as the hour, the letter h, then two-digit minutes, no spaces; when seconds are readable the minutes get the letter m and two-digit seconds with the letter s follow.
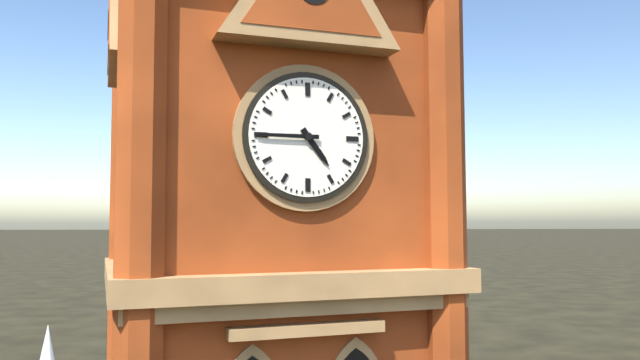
4h45
